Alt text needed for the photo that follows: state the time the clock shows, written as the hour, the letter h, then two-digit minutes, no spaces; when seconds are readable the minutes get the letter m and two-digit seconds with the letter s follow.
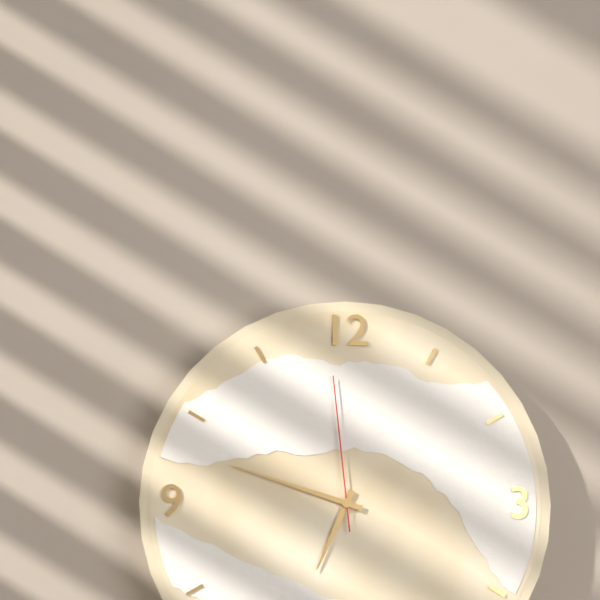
6h48m59s
